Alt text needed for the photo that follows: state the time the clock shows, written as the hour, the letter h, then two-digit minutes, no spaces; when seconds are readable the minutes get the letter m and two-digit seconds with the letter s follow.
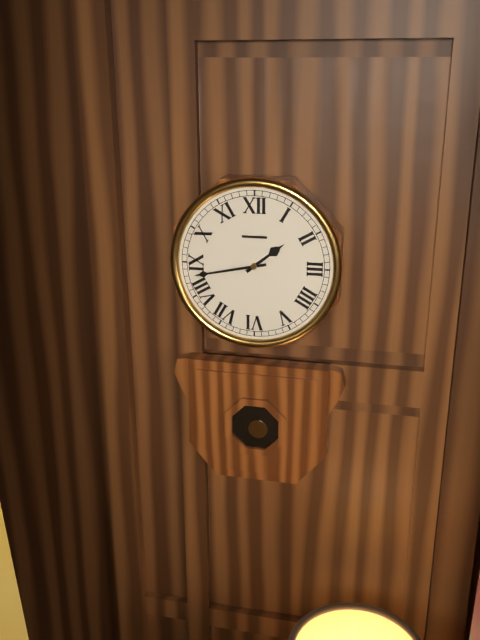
1h43
